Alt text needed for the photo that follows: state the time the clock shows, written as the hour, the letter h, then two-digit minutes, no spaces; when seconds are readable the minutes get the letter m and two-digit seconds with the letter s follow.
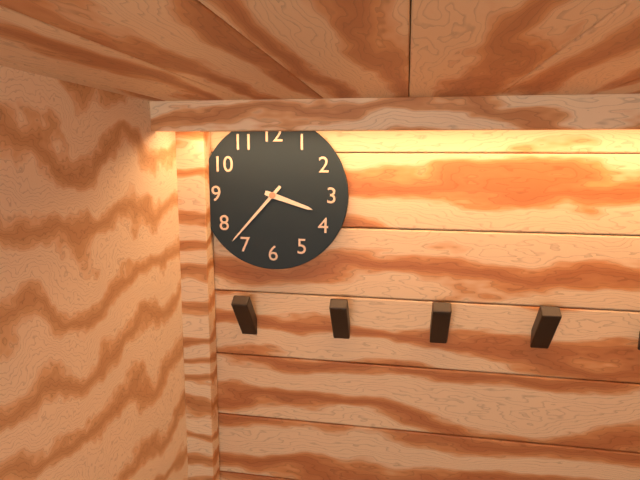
3h37
